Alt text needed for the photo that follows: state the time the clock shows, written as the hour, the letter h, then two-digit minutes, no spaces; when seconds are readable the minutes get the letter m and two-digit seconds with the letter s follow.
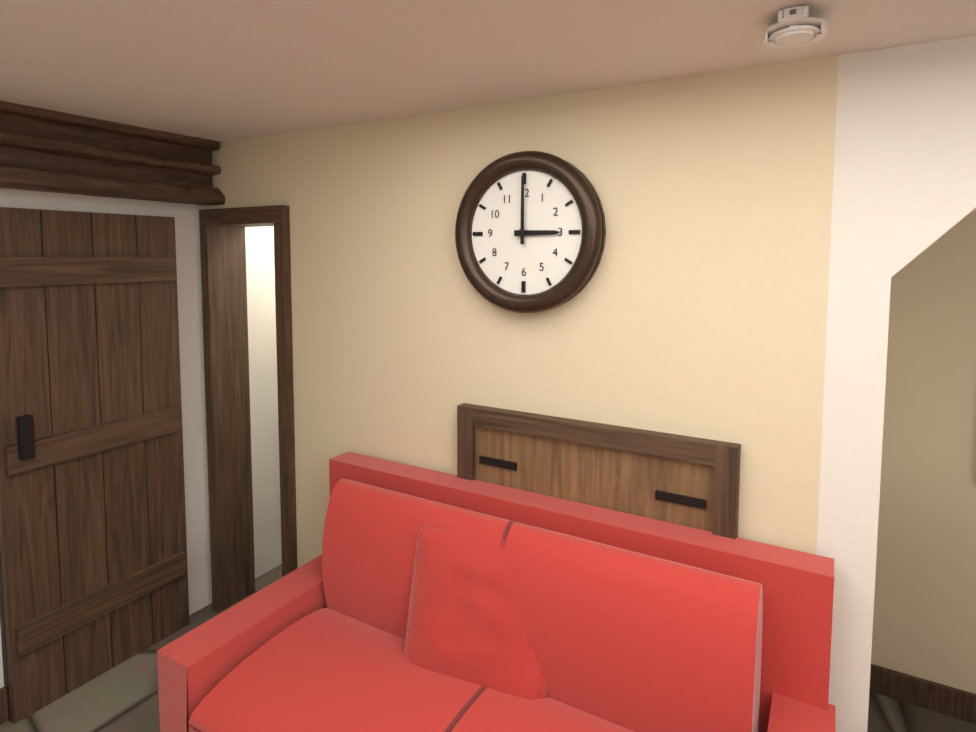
3h00
